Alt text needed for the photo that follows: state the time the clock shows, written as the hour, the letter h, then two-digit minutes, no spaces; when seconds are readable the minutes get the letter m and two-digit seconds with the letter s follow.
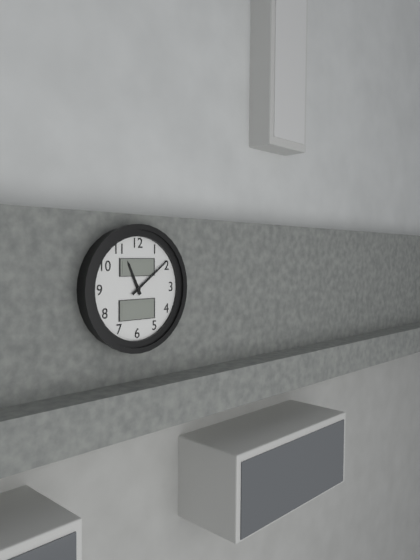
11h09
